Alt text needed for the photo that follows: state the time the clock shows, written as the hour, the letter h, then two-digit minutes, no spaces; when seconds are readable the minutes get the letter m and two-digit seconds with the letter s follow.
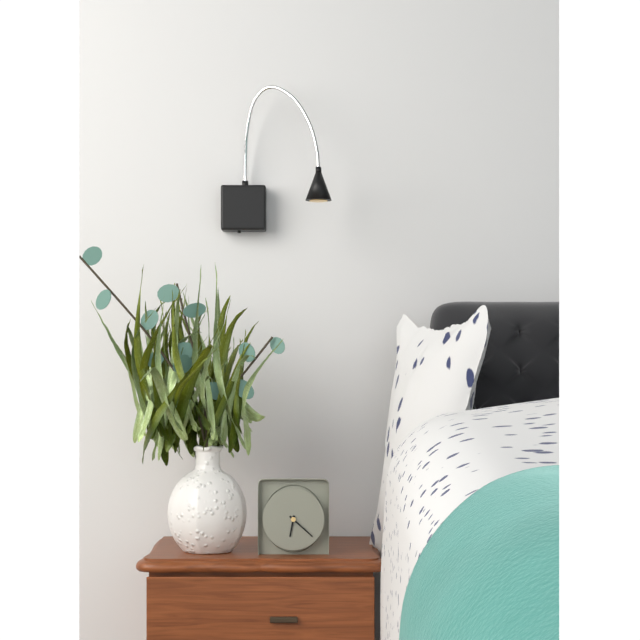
6h22
